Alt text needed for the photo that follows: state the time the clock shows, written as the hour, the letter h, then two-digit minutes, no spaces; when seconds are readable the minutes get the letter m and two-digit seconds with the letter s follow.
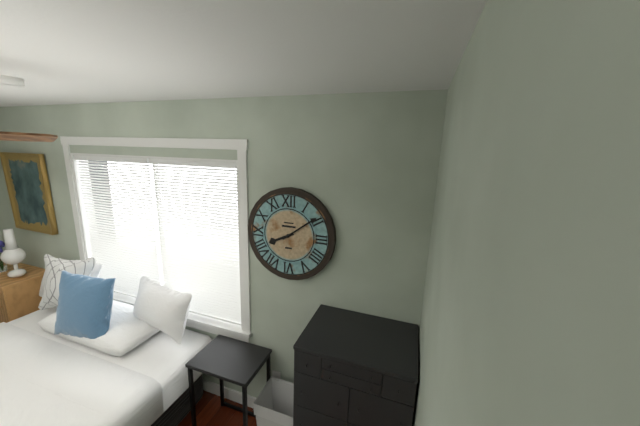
8h09
